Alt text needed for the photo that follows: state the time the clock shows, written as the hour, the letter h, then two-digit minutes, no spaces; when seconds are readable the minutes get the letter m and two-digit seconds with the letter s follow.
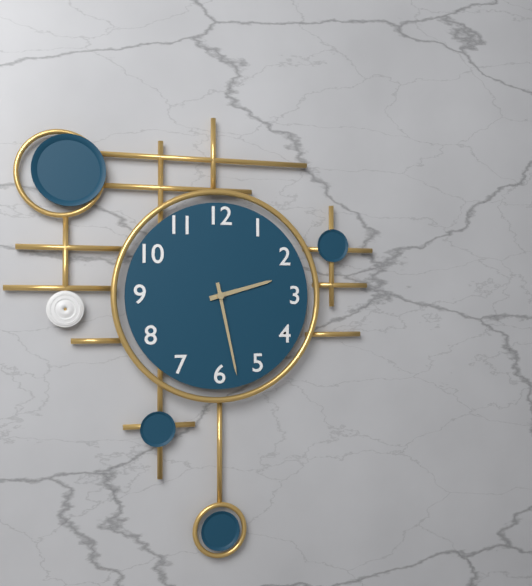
2h28
